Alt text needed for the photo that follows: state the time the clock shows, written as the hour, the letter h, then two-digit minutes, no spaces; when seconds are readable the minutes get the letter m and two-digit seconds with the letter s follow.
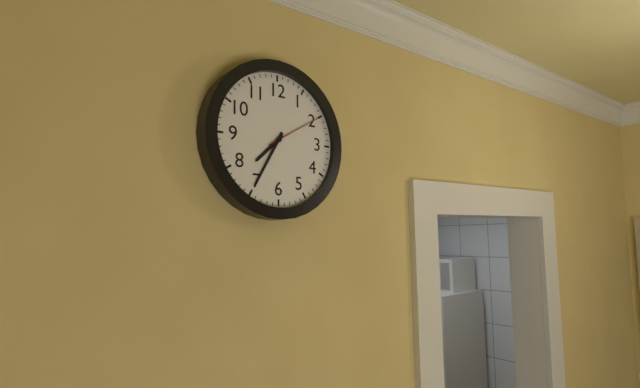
7h35m10s
